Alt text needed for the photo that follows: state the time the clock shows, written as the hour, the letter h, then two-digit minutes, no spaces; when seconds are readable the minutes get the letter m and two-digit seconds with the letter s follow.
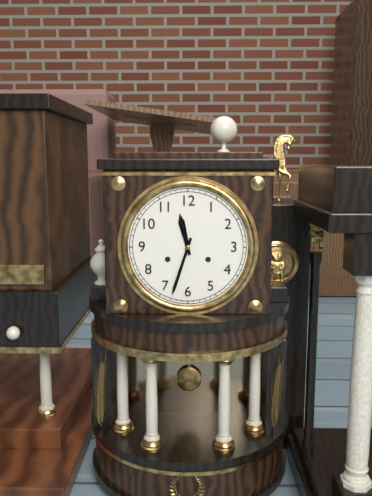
11h33
